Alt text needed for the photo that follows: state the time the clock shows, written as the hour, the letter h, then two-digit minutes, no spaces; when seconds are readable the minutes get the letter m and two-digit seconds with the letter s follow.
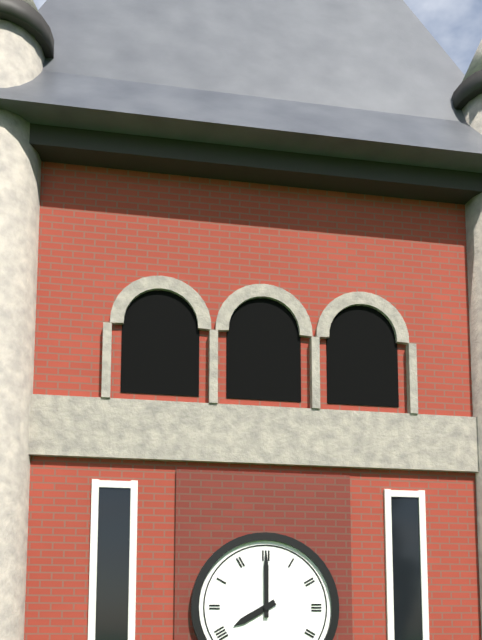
8h00
